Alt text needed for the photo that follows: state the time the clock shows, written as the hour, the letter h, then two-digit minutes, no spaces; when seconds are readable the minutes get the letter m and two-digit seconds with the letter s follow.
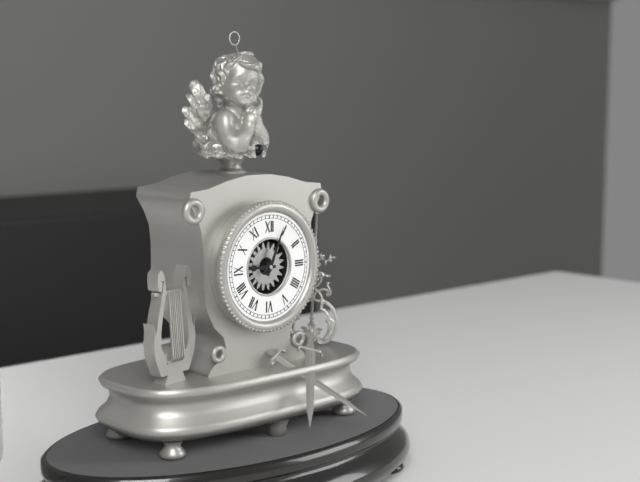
9h04
